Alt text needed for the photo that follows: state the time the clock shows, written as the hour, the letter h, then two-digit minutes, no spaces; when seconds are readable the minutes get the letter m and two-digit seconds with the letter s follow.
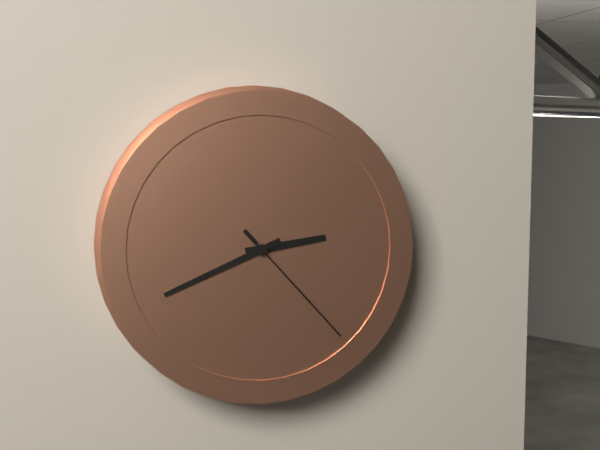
2h41m23s
